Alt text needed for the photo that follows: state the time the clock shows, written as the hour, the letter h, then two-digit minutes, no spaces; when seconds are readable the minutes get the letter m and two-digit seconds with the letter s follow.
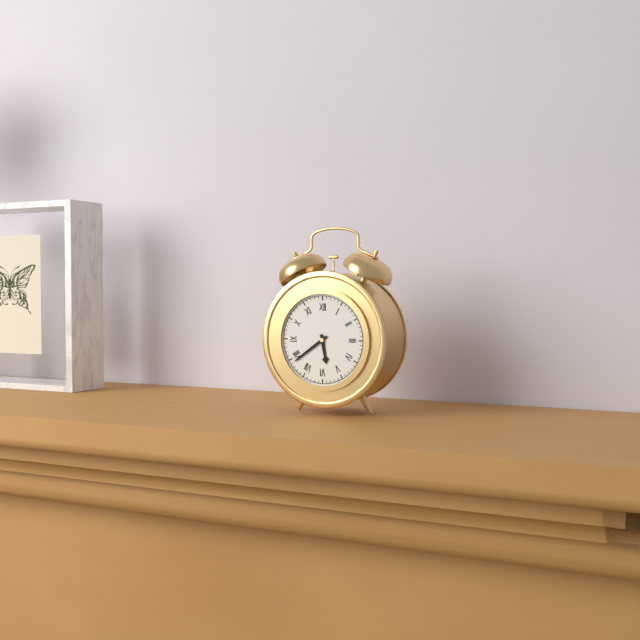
5h39
